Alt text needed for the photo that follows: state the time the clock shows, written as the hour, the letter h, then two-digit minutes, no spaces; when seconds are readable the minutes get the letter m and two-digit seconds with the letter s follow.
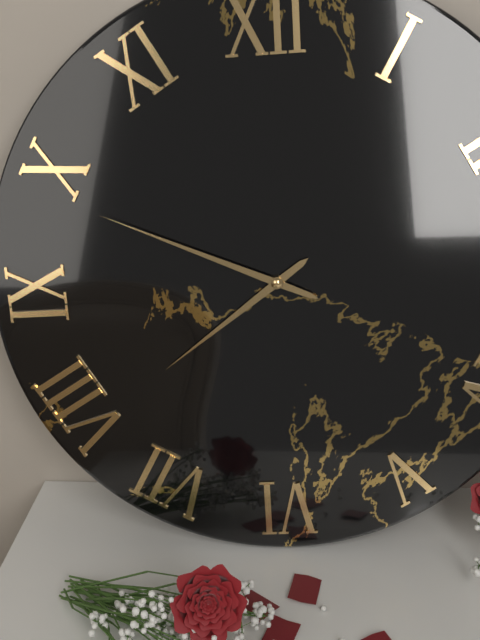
7h49
